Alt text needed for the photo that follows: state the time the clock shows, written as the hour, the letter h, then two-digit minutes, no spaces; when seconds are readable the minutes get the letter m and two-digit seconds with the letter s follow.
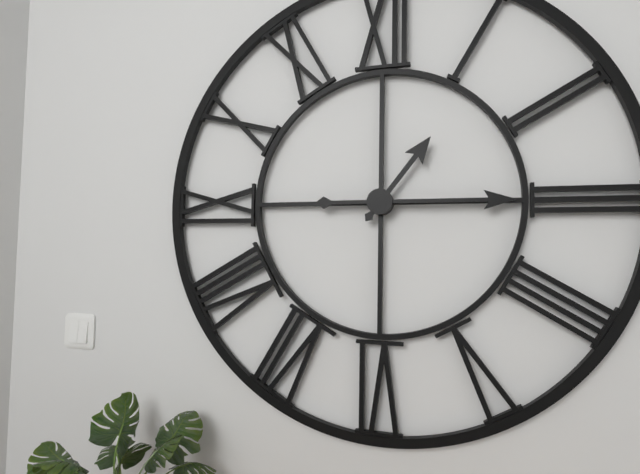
1h15
